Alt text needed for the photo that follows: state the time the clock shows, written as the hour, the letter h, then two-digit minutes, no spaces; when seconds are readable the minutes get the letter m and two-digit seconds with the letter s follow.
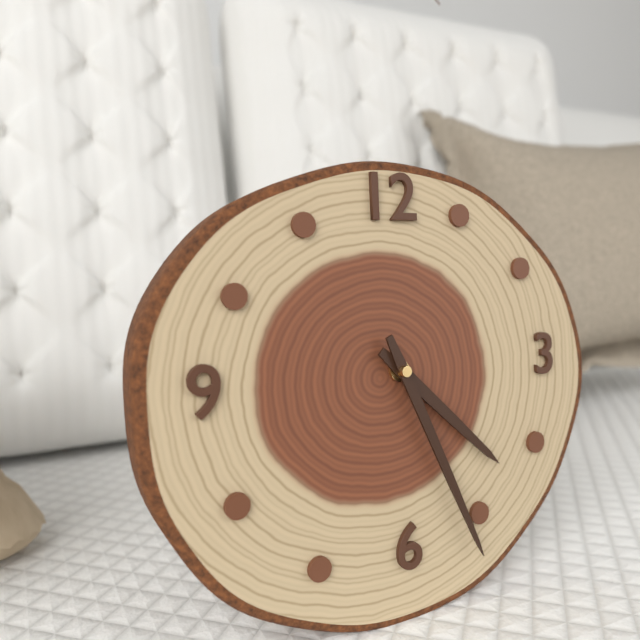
4h26
